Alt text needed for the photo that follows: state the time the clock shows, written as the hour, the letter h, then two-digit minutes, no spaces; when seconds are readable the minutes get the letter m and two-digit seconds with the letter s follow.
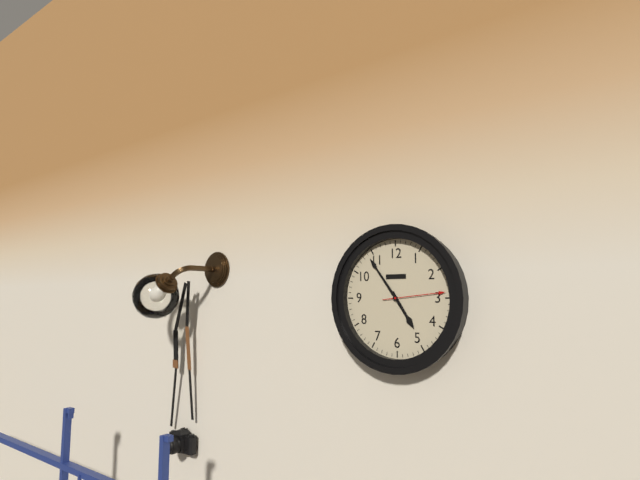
4h54m14s
